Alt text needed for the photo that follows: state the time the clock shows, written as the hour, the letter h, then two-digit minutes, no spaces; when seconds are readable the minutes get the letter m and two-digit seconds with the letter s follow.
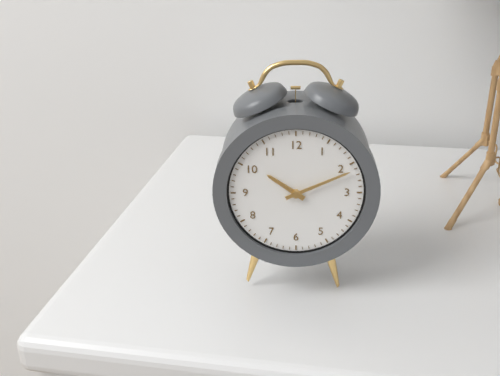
10h11
